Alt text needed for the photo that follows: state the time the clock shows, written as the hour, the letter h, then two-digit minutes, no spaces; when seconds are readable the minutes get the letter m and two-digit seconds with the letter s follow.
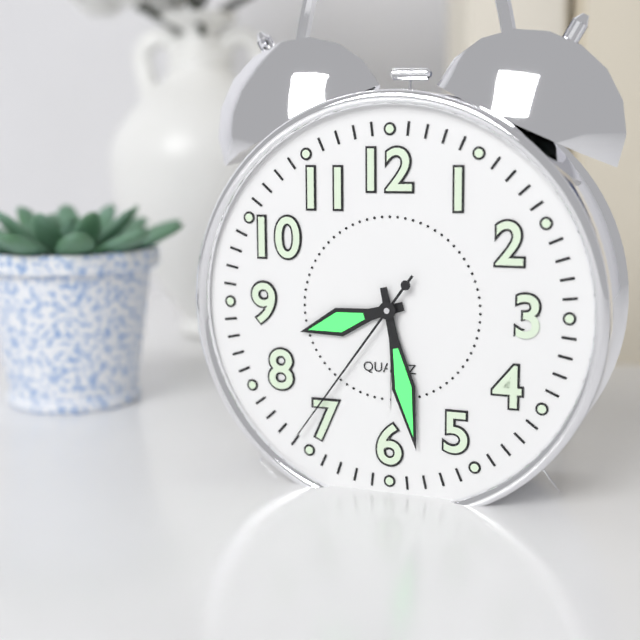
8h28m36s
